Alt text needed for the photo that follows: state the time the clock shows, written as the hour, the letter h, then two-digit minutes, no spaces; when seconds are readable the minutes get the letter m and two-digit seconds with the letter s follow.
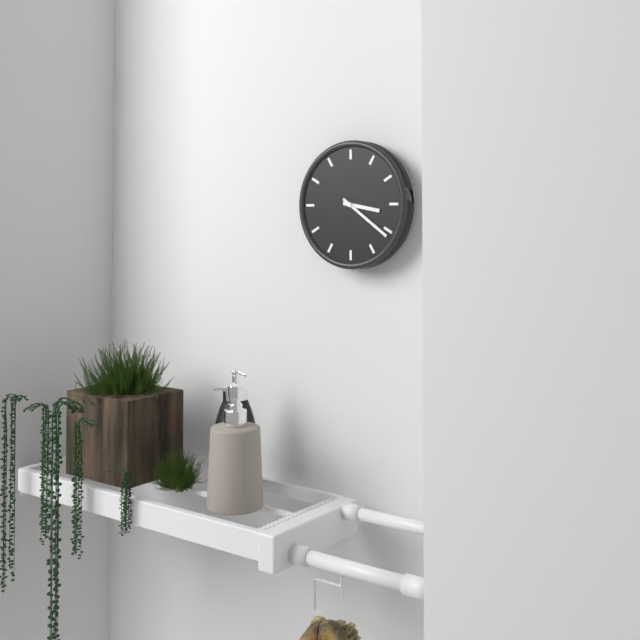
3h21
